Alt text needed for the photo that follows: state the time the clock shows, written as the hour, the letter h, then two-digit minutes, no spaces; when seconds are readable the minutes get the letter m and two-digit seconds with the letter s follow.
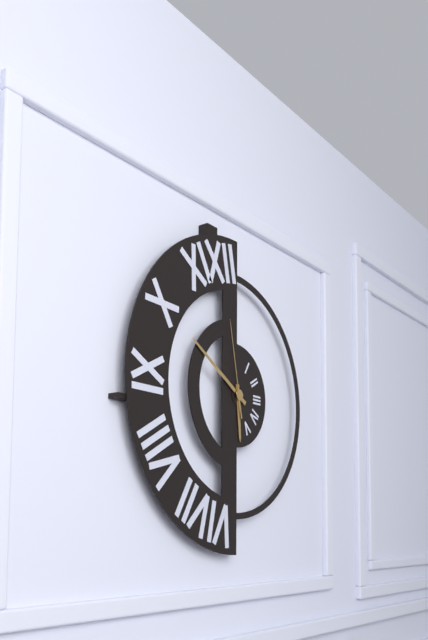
5h50m58s
